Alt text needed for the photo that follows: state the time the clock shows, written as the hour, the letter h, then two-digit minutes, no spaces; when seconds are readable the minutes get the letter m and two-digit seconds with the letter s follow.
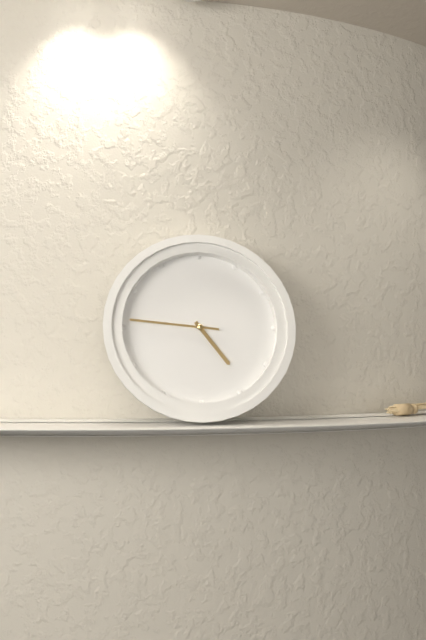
4h46
